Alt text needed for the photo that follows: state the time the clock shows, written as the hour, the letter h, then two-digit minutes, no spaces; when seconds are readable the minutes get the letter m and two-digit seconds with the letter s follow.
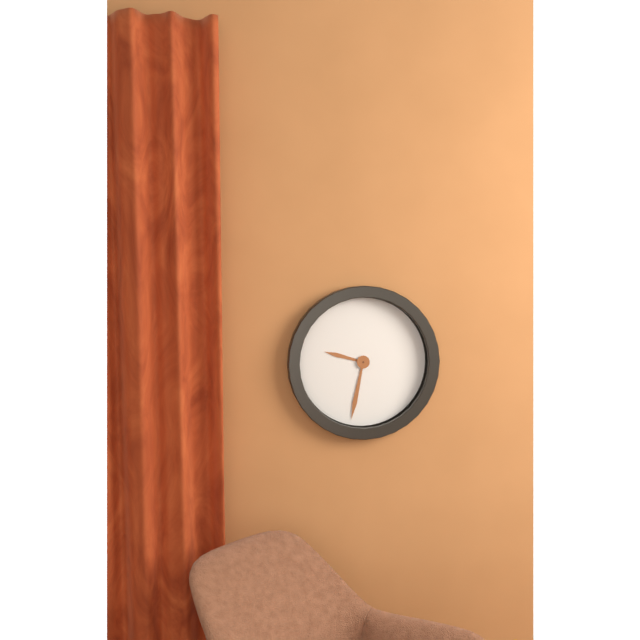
9h32
